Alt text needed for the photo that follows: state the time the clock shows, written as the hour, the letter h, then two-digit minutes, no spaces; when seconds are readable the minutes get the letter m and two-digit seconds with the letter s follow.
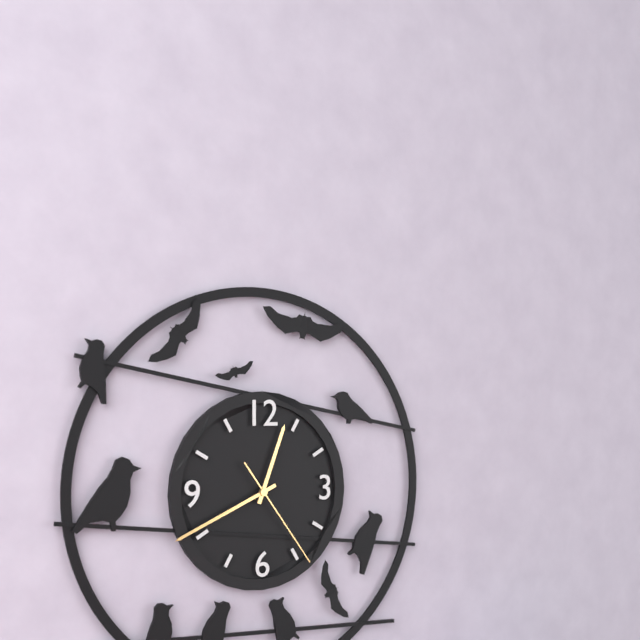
12h41m24s
